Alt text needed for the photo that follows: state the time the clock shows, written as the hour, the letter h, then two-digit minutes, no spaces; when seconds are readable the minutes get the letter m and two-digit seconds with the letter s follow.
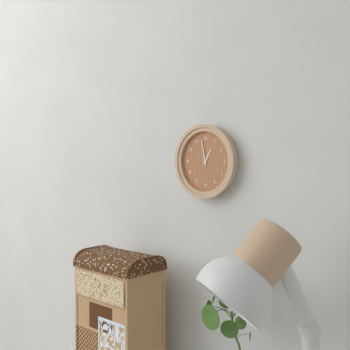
12h58
